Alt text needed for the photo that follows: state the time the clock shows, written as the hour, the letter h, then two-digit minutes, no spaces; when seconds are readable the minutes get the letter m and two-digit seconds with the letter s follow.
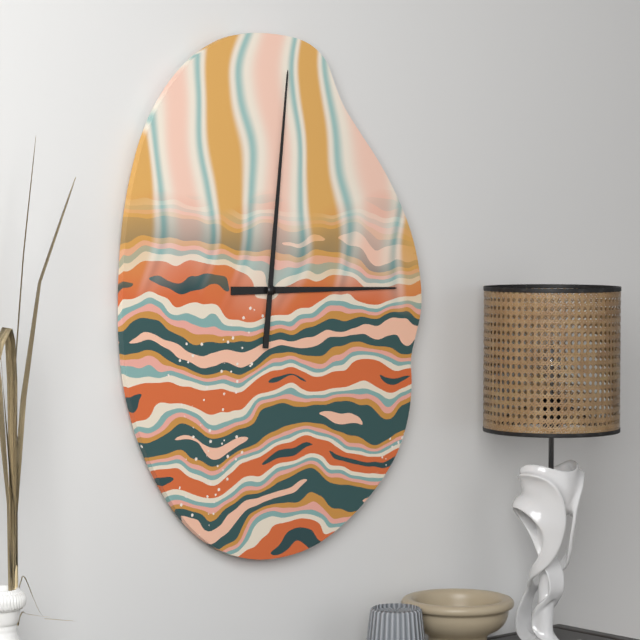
3h01
